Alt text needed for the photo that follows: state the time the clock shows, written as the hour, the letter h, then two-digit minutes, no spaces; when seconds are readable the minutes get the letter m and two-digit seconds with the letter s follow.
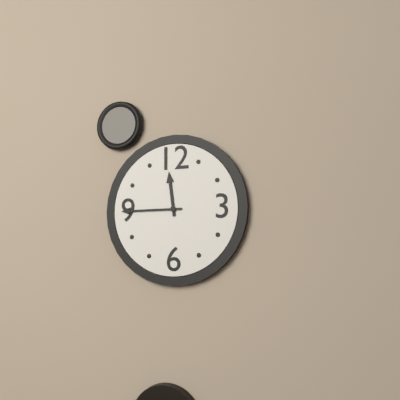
11h45
